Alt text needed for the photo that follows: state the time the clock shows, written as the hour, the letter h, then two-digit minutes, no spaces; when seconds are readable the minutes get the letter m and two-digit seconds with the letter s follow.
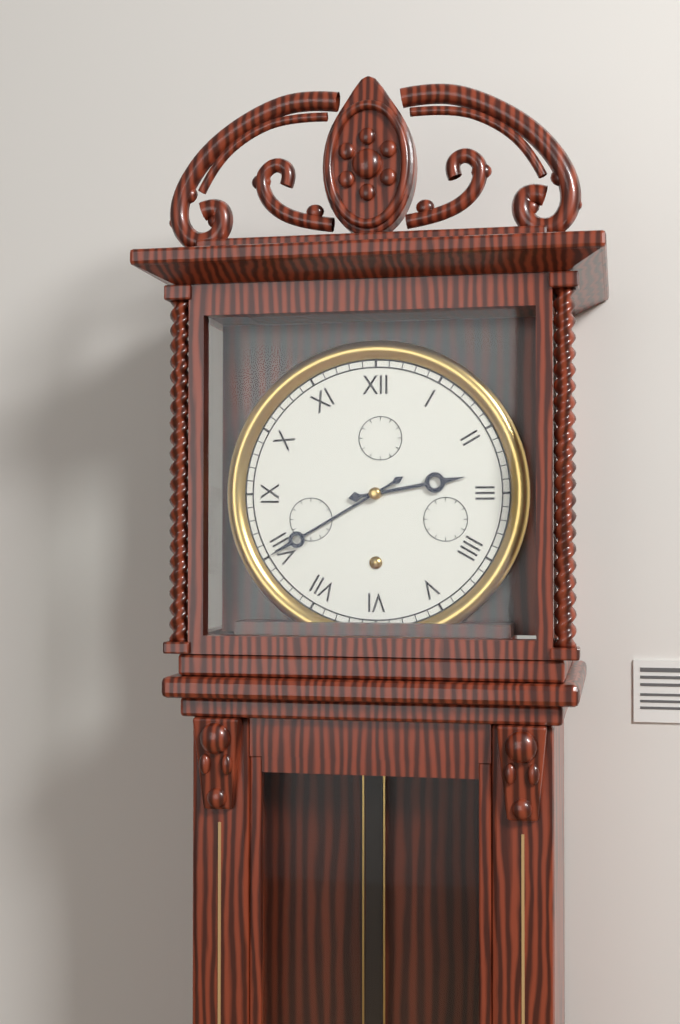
2h40
